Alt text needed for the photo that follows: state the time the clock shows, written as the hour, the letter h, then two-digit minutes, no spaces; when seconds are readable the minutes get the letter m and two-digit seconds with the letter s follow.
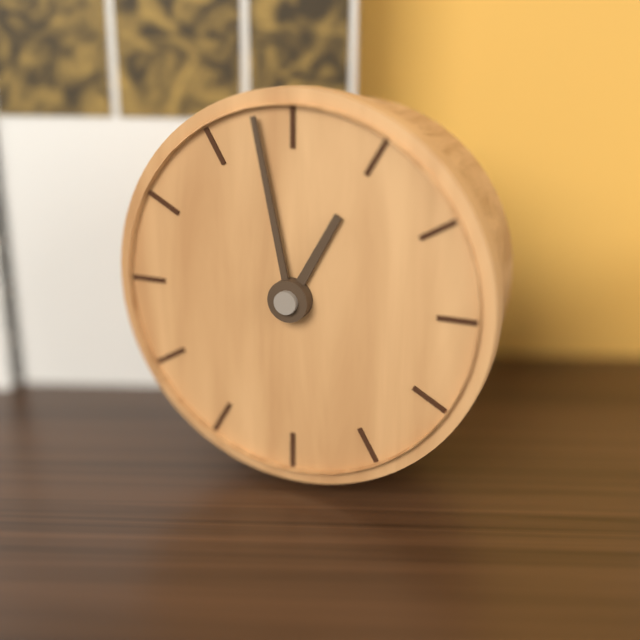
12h58
